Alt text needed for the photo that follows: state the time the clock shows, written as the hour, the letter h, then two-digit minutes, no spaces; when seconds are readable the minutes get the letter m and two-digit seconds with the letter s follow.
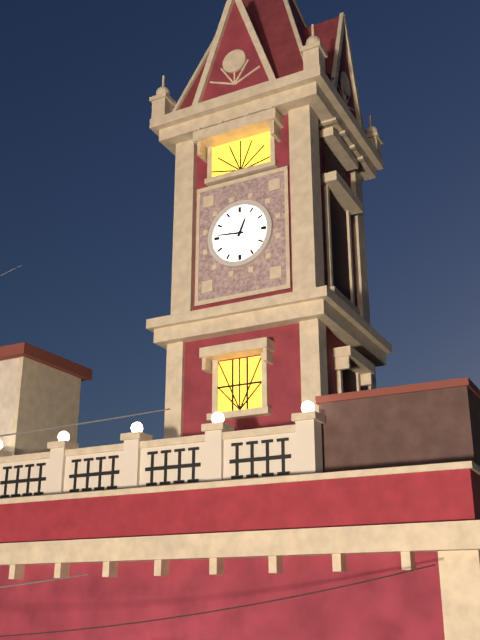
12h46
